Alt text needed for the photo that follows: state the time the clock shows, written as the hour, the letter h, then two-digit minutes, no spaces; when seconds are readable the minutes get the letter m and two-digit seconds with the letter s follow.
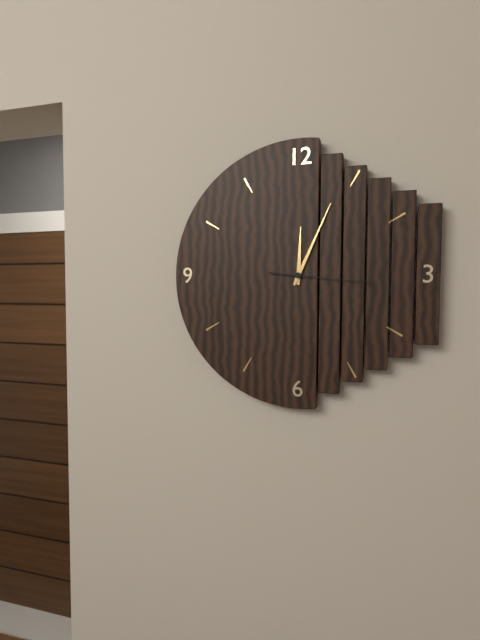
12h04m16s
